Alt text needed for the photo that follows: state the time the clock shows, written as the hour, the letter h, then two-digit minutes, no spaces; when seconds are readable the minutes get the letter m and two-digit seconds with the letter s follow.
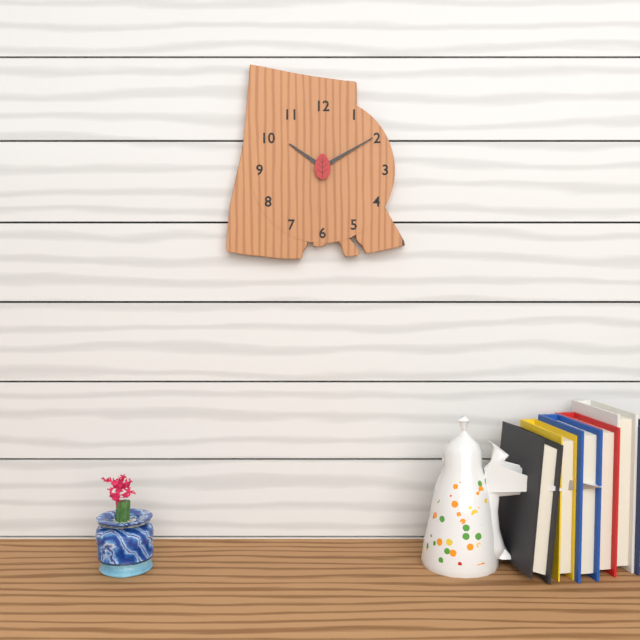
10h10
